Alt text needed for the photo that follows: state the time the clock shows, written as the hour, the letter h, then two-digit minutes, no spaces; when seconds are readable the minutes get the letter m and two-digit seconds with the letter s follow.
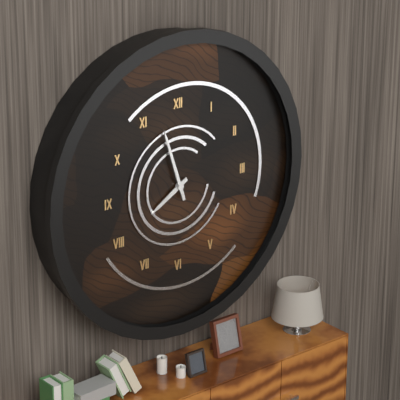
7h57
